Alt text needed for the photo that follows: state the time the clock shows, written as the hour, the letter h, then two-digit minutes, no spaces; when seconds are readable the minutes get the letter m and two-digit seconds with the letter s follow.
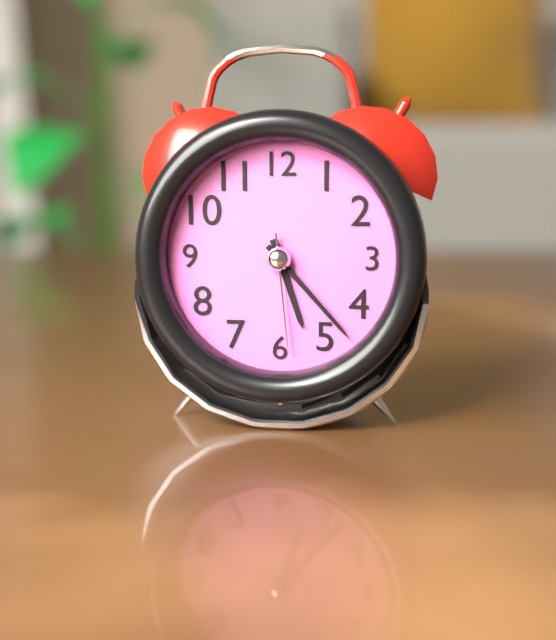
5h23m29s
